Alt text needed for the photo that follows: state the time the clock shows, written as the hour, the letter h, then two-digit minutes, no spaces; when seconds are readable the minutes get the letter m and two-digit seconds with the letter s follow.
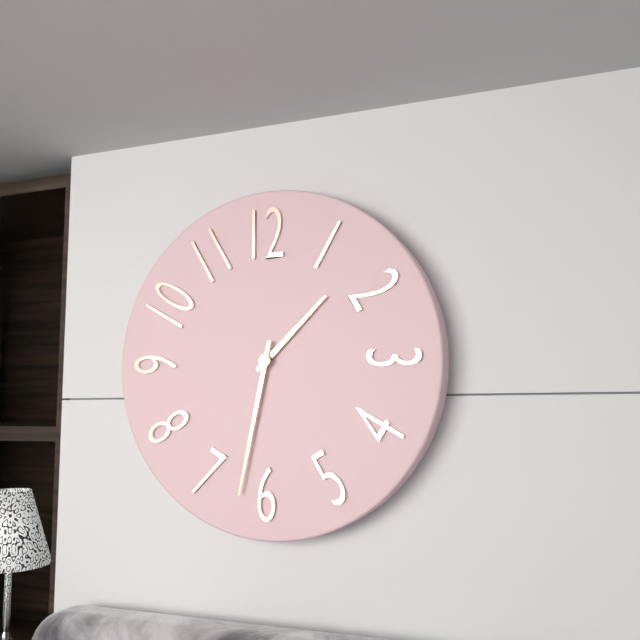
1h32
